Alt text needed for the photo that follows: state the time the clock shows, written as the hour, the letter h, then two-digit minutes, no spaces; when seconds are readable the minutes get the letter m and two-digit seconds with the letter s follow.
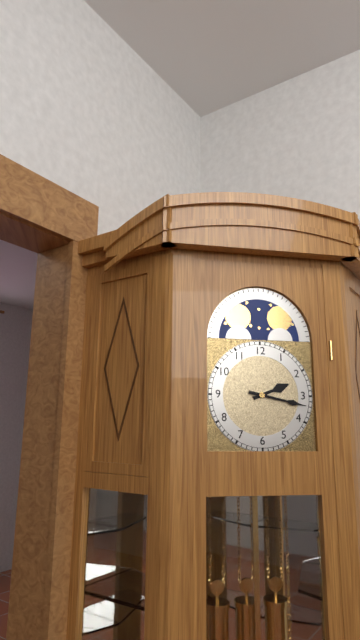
2h17
